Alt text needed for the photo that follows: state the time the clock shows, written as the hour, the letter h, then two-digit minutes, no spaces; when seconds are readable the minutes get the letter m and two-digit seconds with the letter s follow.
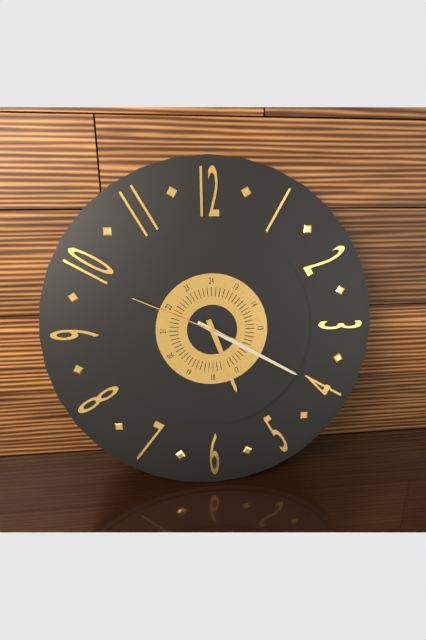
5h20m49s
